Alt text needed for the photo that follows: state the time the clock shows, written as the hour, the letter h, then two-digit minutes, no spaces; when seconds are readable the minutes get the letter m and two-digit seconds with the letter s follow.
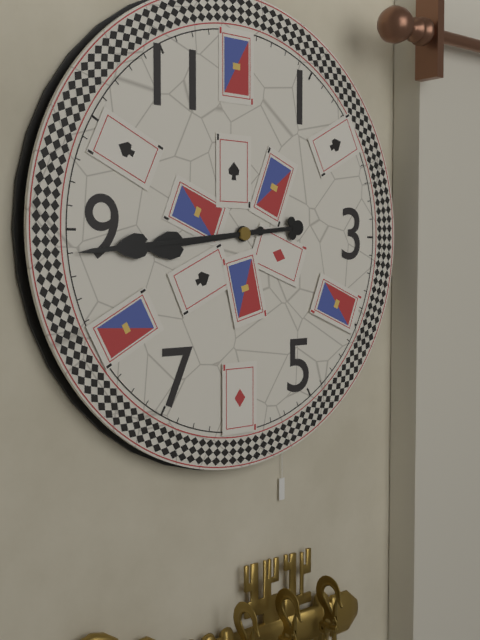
8h44
